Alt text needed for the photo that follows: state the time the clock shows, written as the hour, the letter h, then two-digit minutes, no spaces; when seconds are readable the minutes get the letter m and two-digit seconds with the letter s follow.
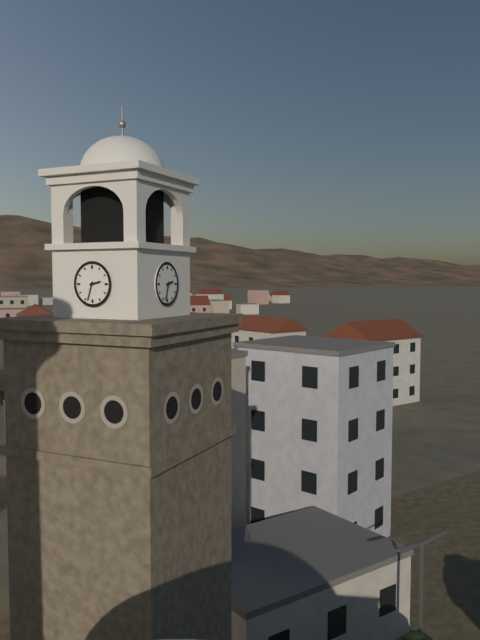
2h33
